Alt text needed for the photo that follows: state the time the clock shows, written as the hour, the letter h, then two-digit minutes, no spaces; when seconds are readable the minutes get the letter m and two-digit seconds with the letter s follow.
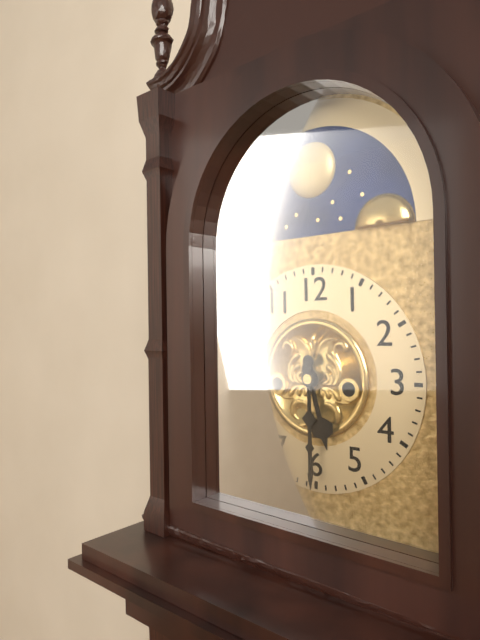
5h30
